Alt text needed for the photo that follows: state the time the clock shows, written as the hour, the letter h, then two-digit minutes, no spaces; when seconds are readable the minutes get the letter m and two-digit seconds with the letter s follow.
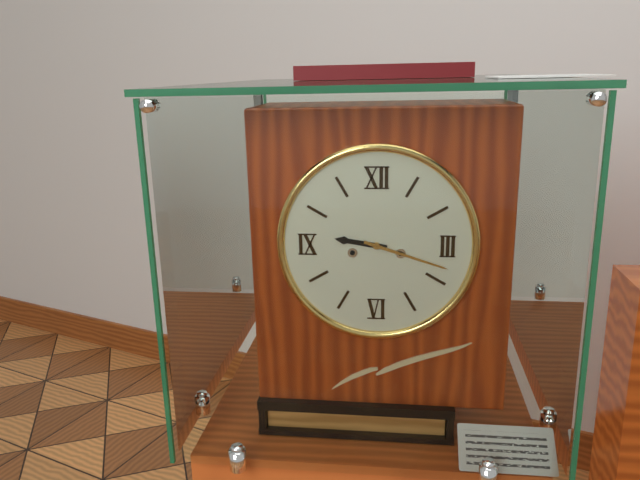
9h18
